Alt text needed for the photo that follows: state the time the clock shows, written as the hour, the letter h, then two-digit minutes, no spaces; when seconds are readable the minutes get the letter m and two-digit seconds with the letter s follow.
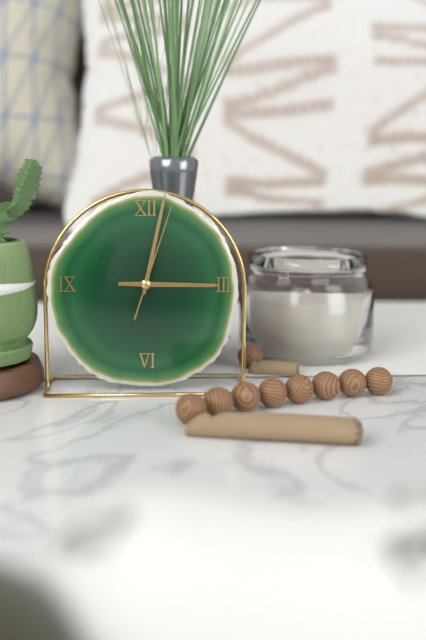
3h02m03s
